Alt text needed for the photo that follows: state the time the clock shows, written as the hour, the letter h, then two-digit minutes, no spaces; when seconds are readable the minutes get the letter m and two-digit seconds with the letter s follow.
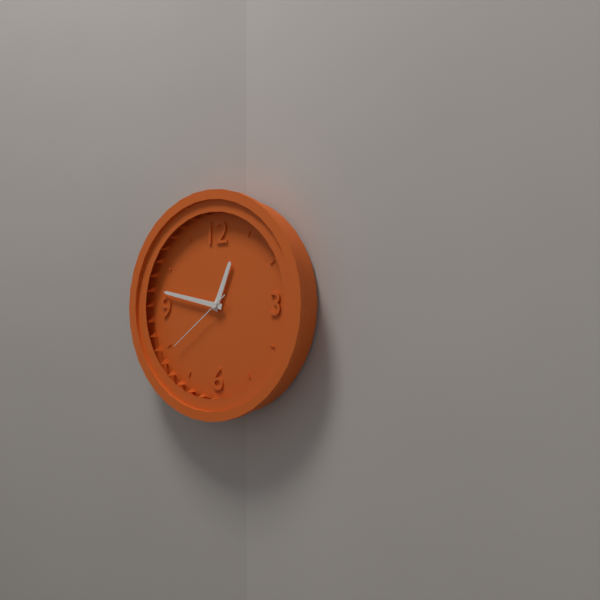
12h47m39s
